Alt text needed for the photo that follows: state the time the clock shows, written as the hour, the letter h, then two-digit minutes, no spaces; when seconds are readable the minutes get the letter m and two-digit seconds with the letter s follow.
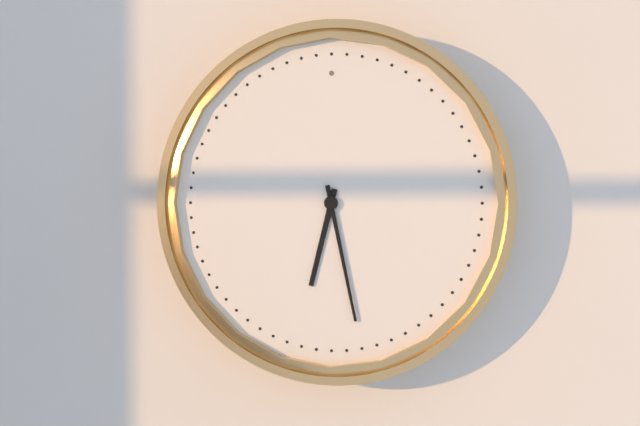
6h28
